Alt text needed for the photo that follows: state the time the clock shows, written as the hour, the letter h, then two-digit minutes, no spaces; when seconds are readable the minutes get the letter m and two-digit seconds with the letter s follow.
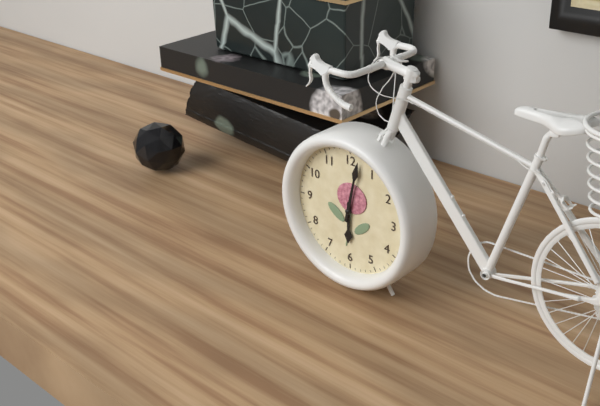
6h02
